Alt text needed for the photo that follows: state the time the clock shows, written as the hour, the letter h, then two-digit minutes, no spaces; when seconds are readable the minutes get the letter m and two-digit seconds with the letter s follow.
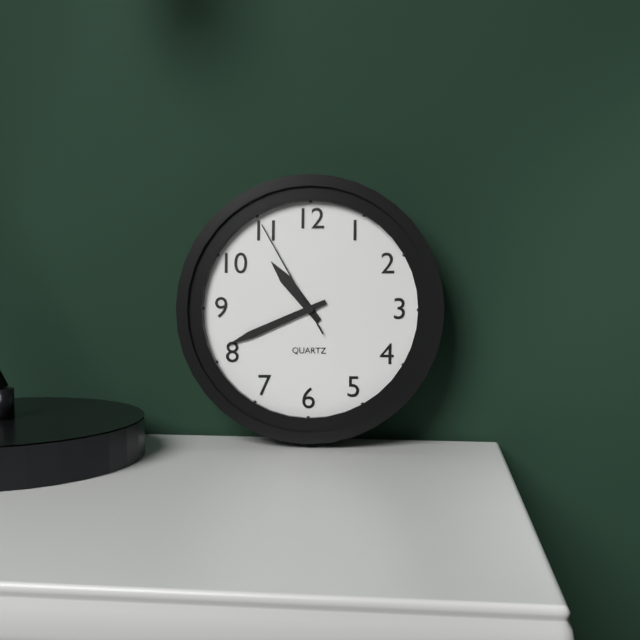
10h41m55s
